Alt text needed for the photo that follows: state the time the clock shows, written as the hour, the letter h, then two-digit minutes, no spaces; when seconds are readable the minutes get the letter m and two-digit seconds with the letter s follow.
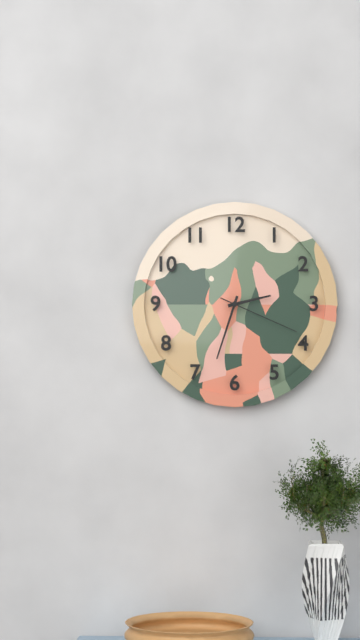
2h33m19s
